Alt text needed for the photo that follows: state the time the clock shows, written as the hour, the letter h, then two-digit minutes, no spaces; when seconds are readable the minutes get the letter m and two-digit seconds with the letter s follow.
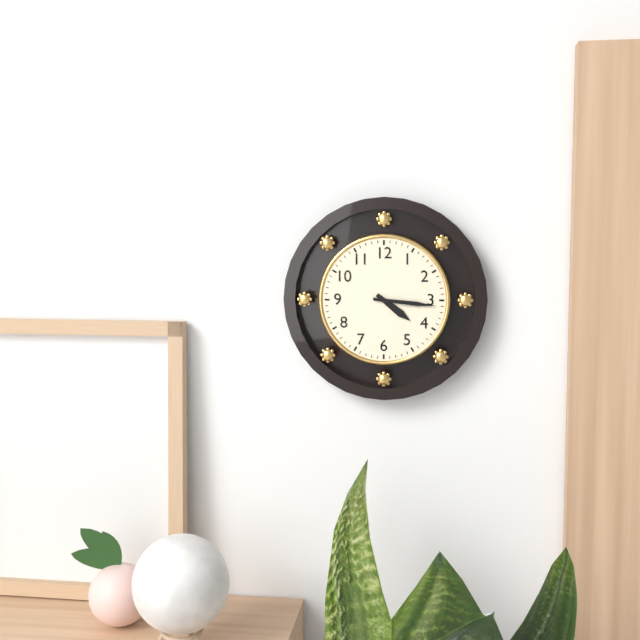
4h16
